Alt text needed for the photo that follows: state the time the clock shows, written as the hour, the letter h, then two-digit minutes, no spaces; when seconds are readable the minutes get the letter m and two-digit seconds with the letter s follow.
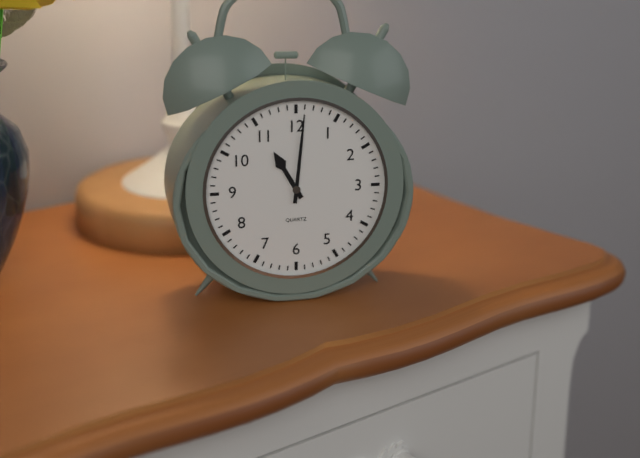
11h01
